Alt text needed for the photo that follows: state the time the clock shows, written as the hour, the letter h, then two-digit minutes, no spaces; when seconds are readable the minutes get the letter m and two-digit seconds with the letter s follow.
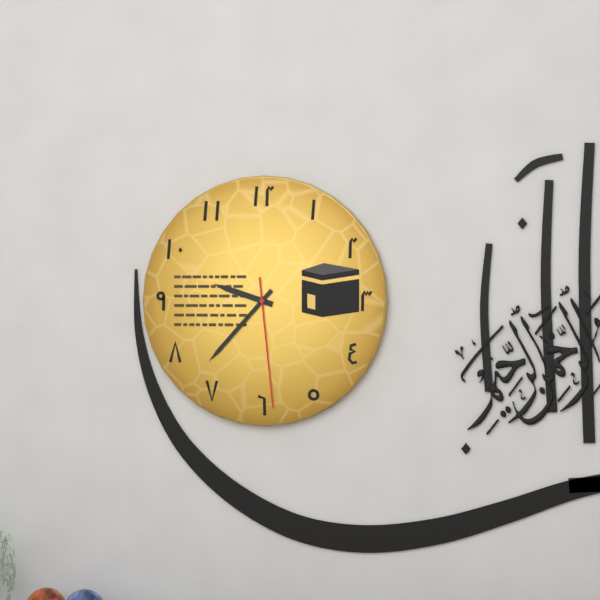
9h37m29s
